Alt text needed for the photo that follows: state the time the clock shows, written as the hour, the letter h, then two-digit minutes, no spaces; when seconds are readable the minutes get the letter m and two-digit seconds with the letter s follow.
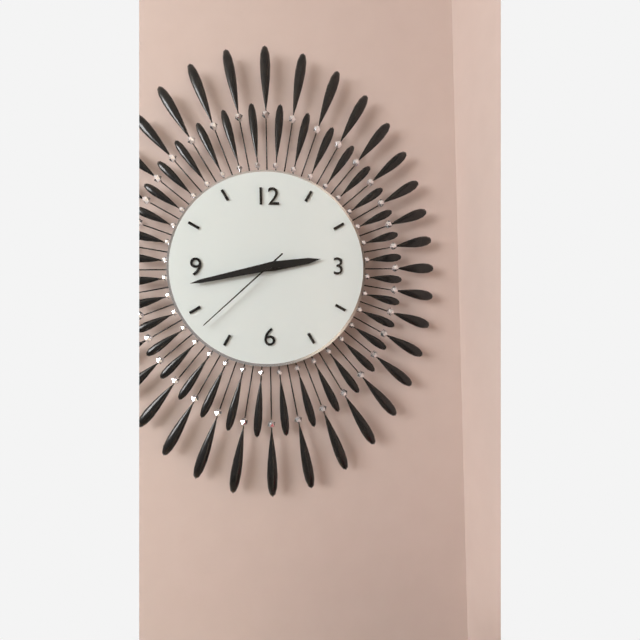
2h43m38s
